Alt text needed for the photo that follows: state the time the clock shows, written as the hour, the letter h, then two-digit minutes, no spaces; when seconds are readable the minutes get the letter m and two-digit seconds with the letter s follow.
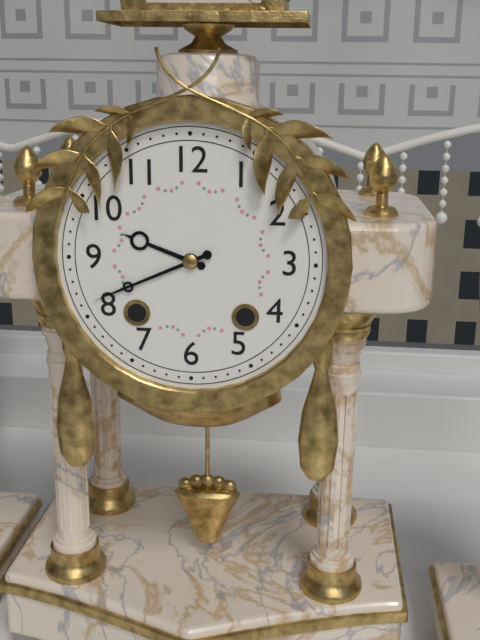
9h41
